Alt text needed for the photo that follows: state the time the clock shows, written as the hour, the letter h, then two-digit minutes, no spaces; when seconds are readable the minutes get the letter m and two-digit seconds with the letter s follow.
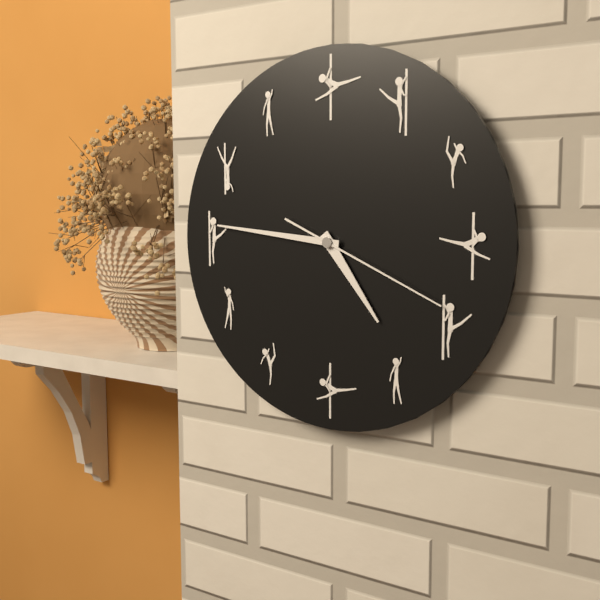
4h46m19s
